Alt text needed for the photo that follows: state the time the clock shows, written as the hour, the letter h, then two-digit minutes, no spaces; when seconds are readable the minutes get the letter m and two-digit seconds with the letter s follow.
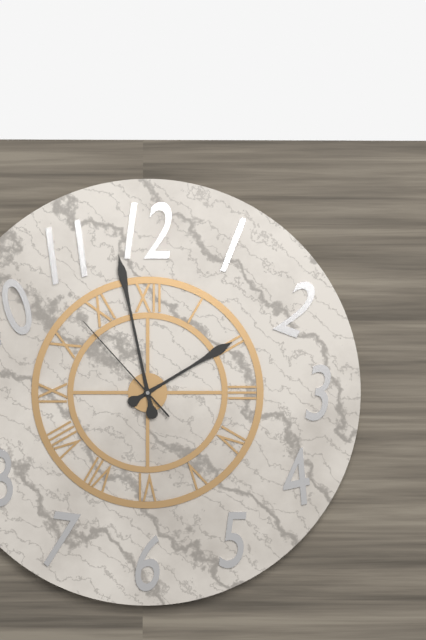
1h58m53s
